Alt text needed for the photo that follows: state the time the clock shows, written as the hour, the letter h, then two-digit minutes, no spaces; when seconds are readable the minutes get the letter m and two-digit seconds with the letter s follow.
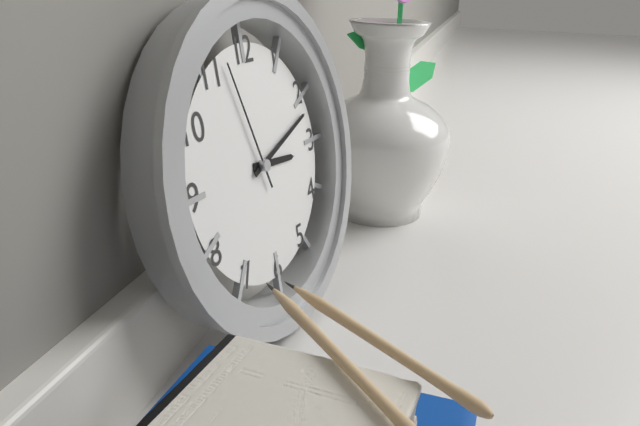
3h12m57s
